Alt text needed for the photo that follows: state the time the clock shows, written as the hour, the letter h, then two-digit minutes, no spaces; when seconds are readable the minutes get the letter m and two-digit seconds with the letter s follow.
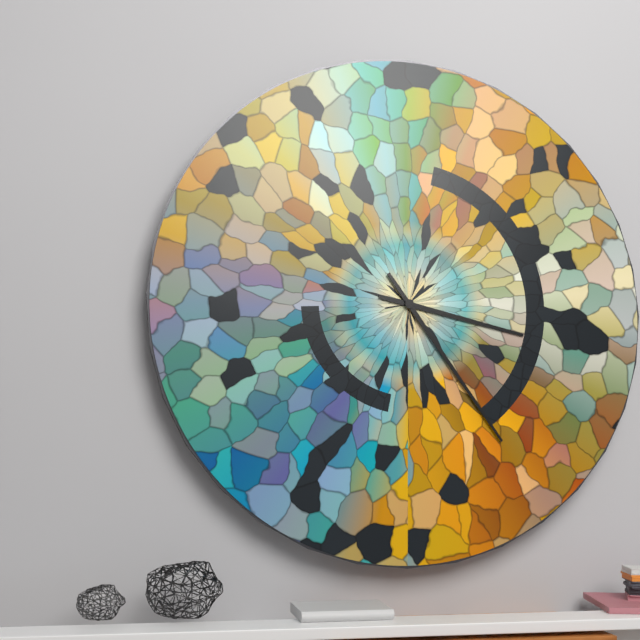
3h24
